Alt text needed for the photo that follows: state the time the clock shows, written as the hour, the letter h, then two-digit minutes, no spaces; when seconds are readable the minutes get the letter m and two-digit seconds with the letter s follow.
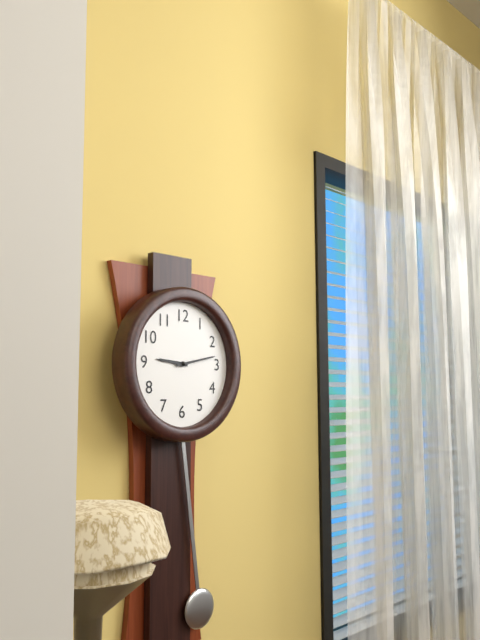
9h13
